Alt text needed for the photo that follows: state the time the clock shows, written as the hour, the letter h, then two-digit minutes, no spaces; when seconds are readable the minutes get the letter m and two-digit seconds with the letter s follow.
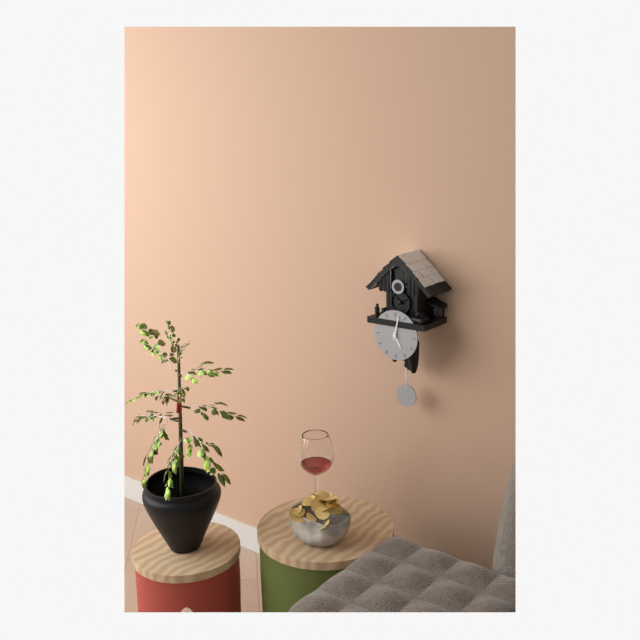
5h02
